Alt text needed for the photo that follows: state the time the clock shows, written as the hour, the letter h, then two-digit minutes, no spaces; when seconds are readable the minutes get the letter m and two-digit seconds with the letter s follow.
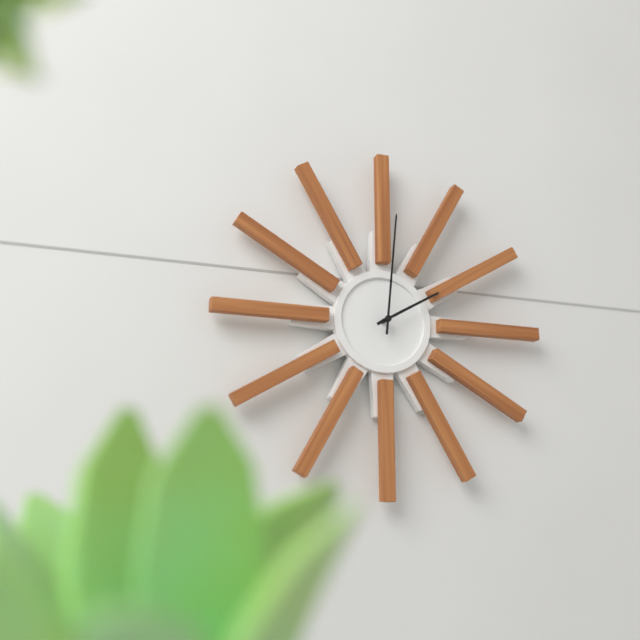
2h01
